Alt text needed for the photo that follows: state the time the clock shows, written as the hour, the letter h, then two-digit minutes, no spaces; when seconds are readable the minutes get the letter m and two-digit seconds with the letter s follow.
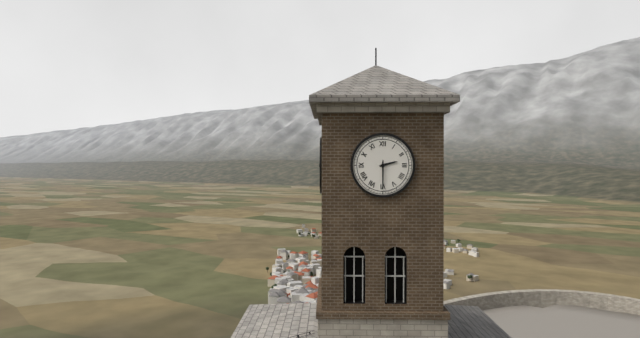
2h30
